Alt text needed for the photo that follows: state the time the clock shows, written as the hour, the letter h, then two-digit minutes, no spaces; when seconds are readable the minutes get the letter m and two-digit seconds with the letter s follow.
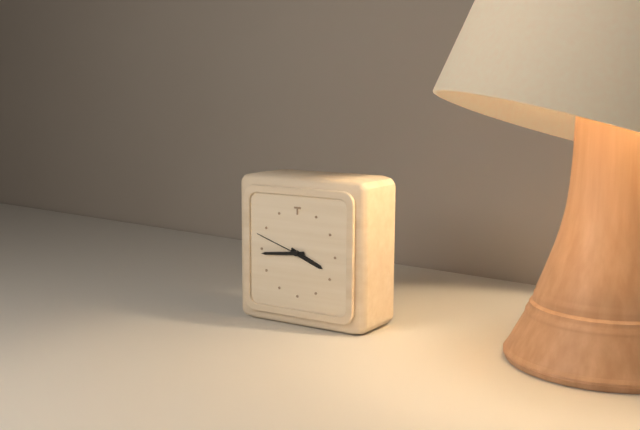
3h44m48s
